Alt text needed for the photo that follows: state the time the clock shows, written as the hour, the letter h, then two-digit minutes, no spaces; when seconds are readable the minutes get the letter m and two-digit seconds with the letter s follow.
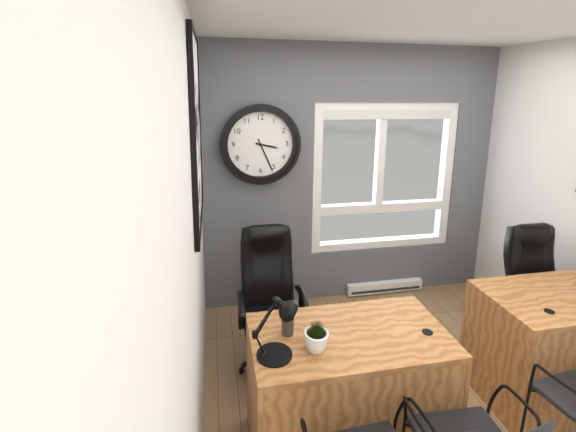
3h26
